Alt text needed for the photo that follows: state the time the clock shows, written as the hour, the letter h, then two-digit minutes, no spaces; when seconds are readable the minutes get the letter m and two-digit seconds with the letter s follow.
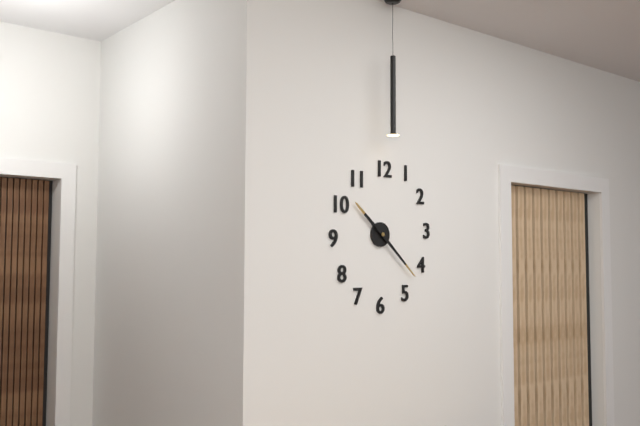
10h22
